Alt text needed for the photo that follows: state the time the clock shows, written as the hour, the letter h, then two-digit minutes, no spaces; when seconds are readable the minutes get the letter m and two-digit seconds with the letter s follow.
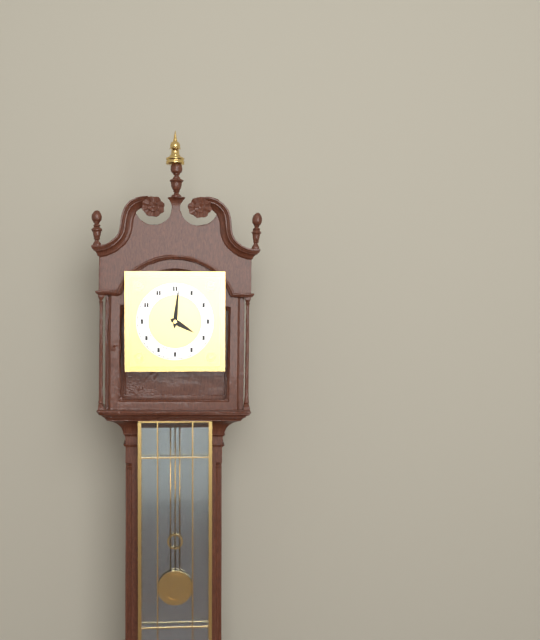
4h01
